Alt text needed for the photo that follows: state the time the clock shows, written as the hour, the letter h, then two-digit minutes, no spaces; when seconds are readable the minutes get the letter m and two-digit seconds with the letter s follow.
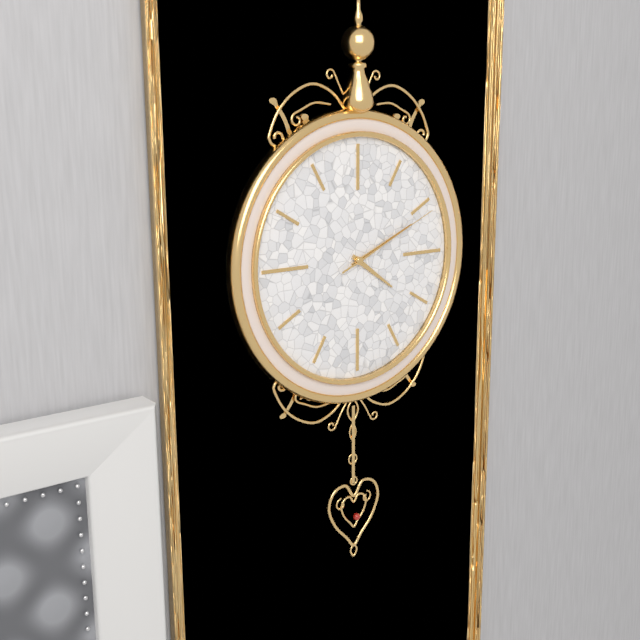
4h11m11s
